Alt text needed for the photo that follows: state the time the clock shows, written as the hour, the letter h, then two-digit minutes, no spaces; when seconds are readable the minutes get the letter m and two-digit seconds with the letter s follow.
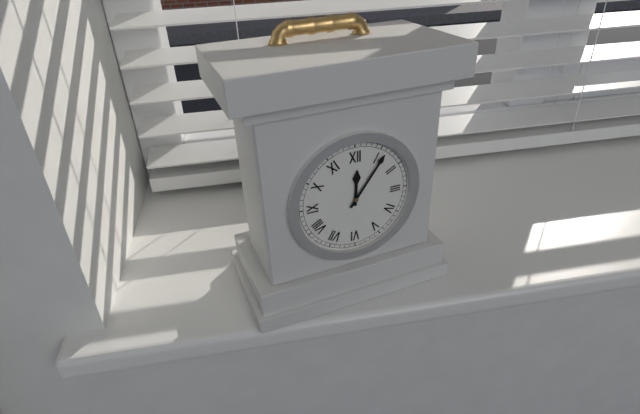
12h06
